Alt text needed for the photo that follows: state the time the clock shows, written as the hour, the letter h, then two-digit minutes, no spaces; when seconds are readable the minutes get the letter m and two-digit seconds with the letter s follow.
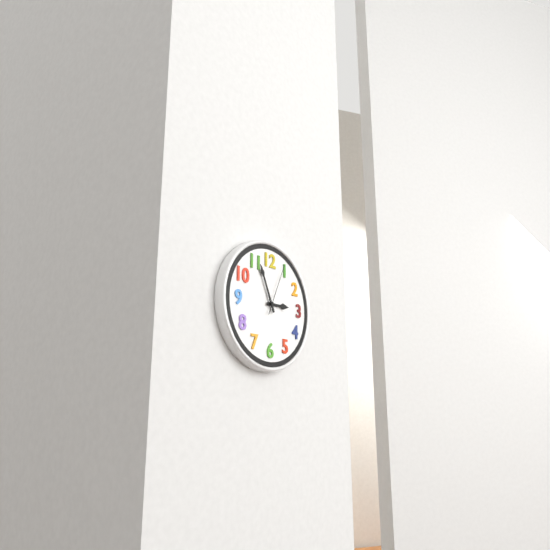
2h56m04s
